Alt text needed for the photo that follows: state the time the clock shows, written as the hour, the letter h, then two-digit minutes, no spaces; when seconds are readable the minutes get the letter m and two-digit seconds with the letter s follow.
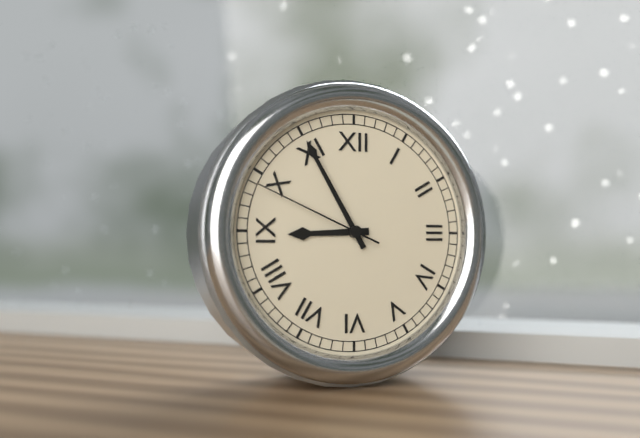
8h55m49s
